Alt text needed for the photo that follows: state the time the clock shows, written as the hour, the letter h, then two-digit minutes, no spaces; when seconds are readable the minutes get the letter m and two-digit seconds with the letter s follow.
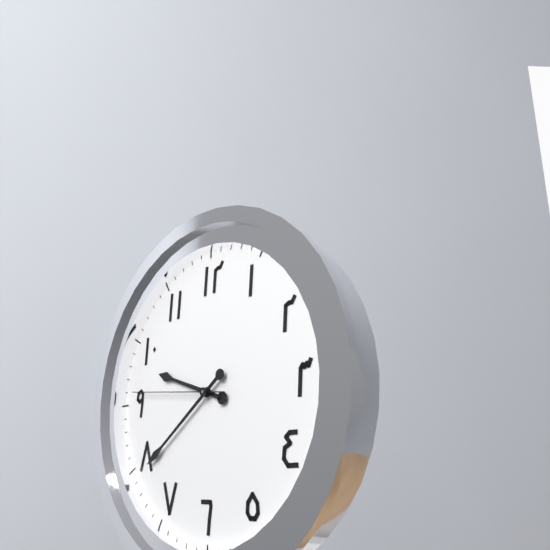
9h39m46s
